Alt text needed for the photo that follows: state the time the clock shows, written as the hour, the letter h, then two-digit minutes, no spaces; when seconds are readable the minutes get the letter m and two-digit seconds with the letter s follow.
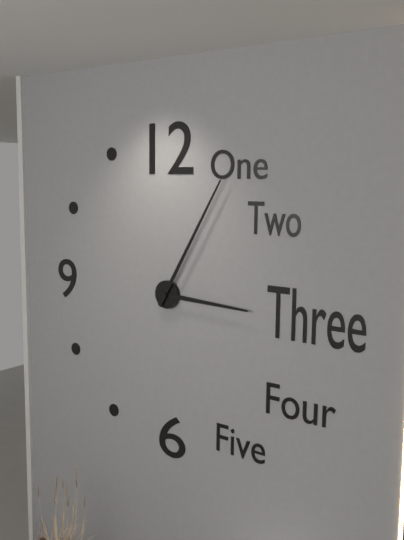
3h05
